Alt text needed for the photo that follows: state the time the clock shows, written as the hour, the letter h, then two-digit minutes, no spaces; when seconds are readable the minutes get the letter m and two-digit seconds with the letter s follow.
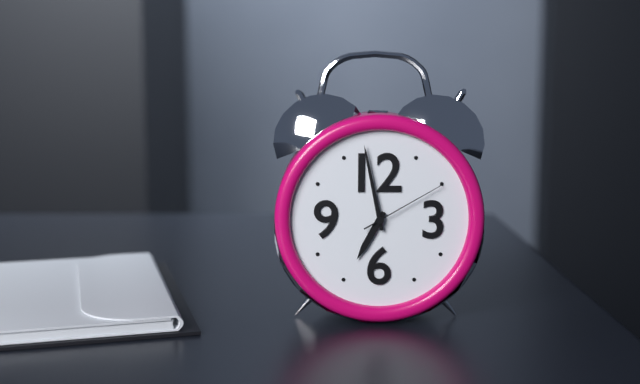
6h58m10s
